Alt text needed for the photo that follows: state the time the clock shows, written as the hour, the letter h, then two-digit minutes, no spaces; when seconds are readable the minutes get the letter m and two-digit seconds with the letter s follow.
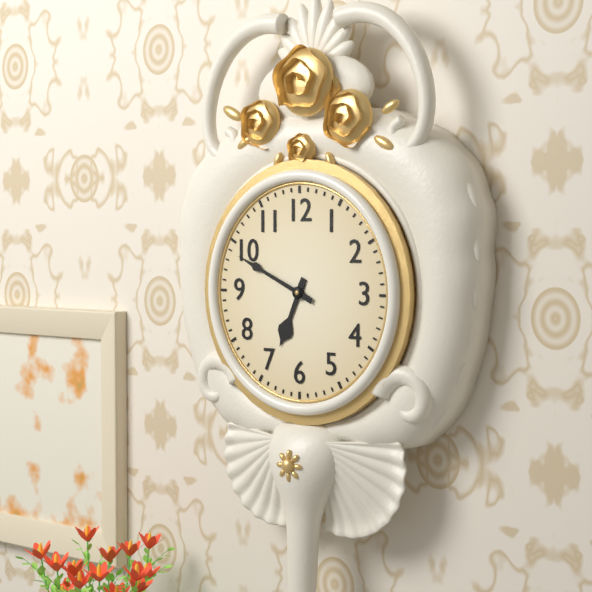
6h49
